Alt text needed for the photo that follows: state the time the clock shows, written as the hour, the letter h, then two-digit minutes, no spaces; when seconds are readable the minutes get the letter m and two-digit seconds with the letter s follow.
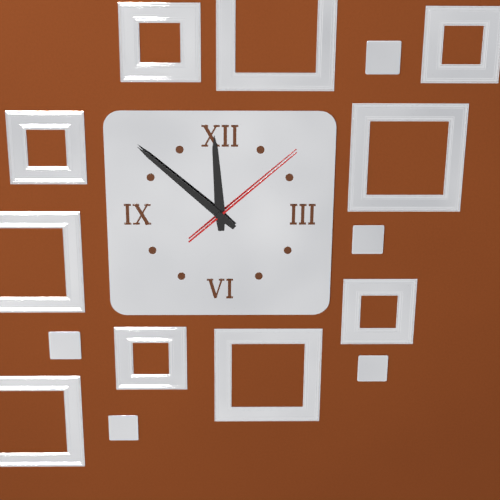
11h52m08s
